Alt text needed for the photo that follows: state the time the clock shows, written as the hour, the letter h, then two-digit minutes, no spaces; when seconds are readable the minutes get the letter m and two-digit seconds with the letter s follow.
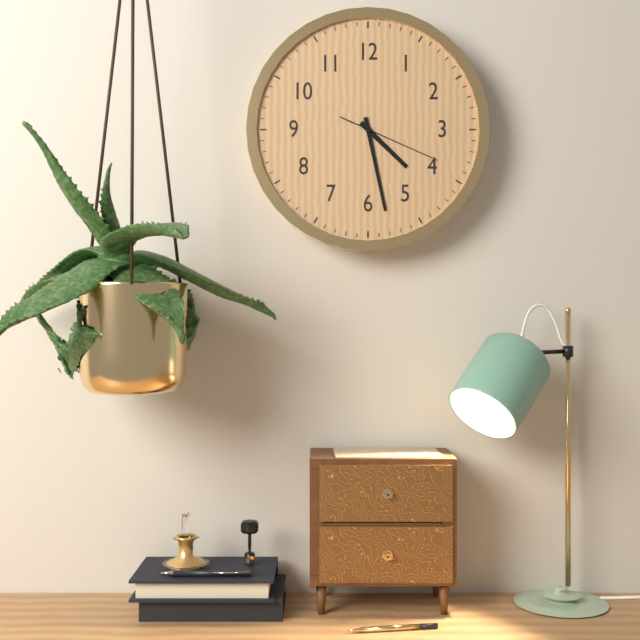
4h28m19s
